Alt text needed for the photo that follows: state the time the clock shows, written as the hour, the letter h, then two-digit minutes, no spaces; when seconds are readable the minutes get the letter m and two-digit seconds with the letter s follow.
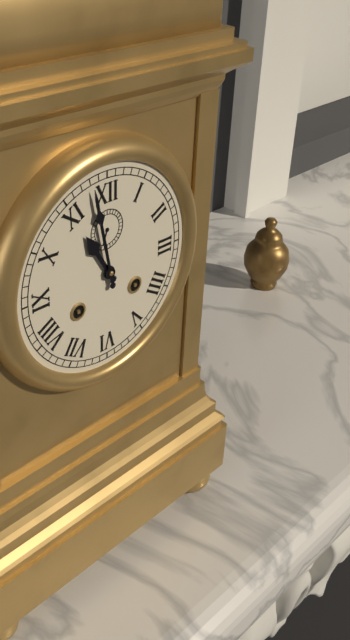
10h58
